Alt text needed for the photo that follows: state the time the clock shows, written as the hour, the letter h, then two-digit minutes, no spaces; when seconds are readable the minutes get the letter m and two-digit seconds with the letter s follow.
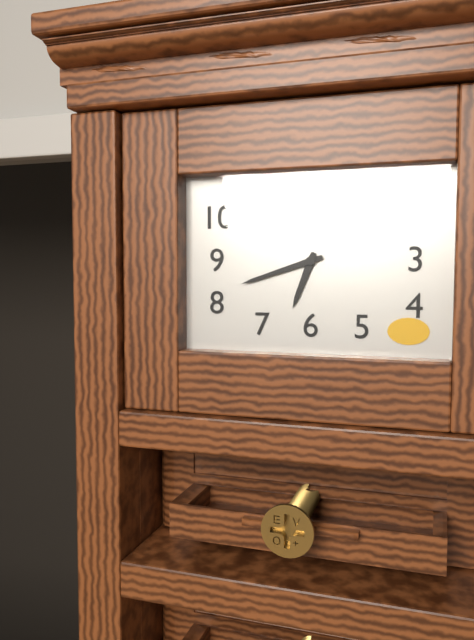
6h42
